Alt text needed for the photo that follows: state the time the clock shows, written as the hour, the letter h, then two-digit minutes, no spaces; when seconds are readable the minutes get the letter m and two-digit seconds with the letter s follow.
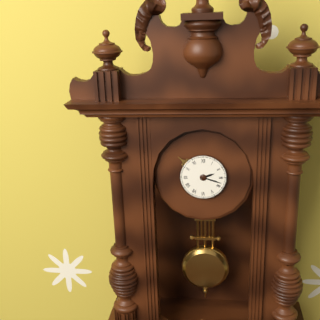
2h18
